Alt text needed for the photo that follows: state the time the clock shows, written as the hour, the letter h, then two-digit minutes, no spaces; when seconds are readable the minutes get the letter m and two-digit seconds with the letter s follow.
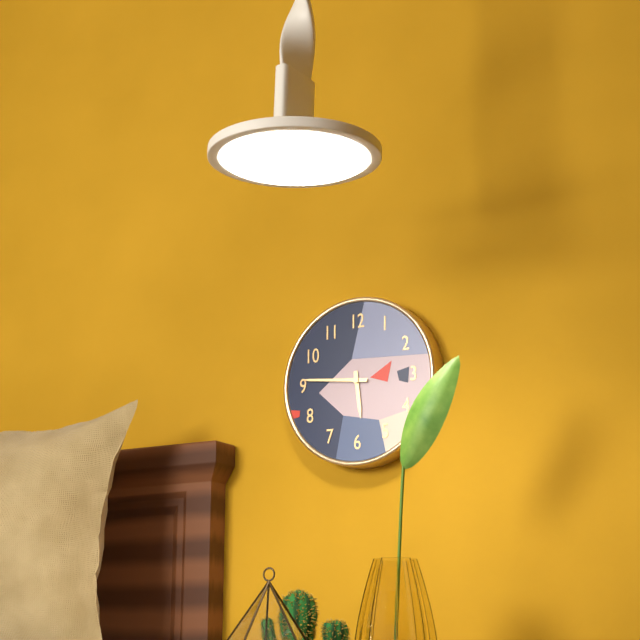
5h46
